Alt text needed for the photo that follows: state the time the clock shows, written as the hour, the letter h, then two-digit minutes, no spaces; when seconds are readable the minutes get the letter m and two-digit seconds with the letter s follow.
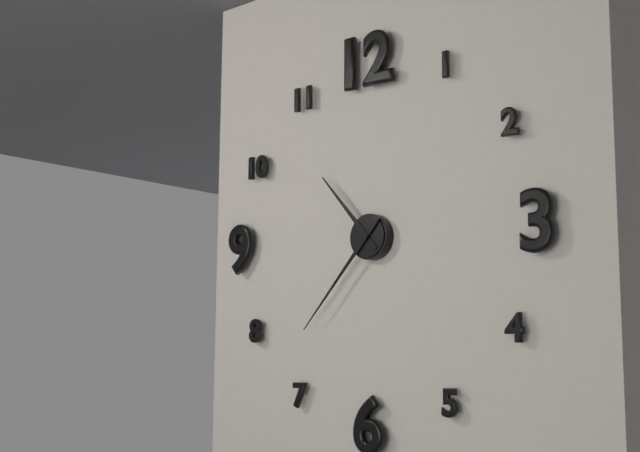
10h37
